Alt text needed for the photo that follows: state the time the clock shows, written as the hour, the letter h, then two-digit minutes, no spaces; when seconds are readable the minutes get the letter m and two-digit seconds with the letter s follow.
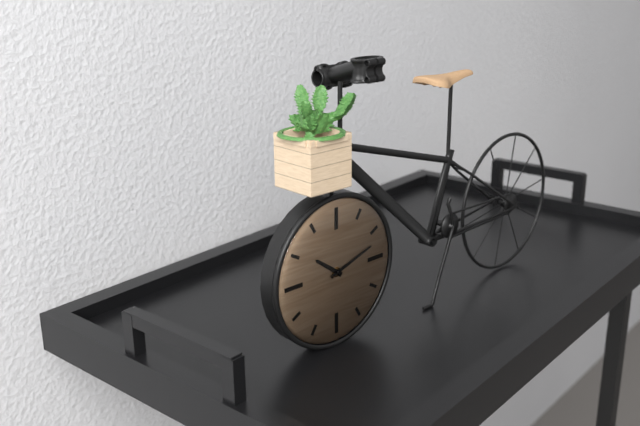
10h12
